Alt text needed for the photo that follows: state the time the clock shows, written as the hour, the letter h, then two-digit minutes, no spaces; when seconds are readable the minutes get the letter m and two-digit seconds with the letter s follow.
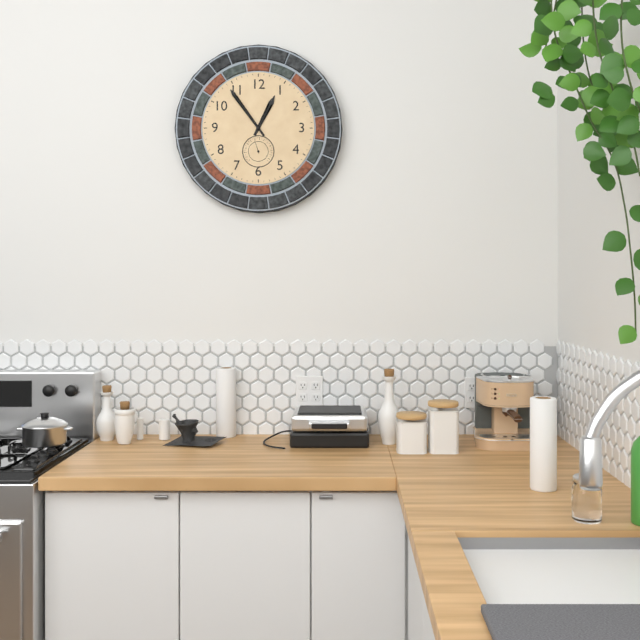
12h54
